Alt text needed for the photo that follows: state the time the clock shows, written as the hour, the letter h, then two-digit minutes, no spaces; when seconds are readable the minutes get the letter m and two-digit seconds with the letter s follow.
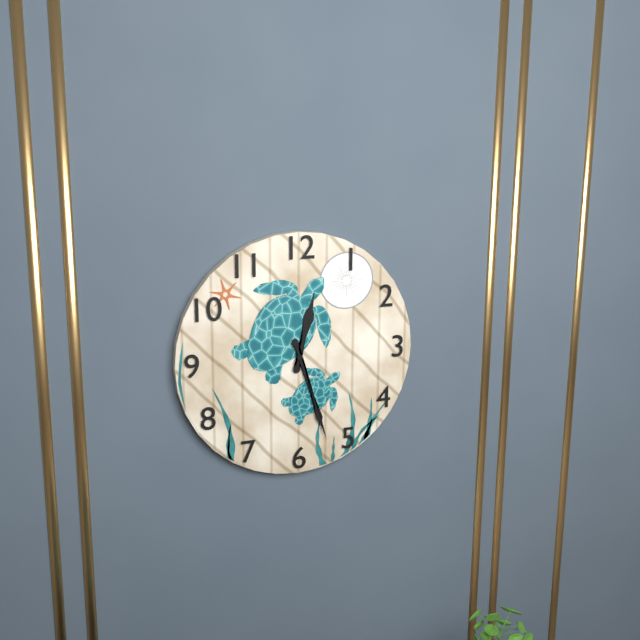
12h27
